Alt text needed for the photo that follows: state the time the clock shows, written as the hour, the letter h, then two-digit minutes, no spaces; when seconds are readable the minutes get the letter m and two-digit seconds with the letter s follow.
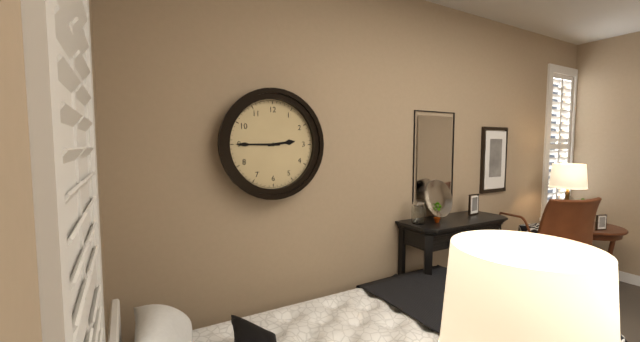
2h45
